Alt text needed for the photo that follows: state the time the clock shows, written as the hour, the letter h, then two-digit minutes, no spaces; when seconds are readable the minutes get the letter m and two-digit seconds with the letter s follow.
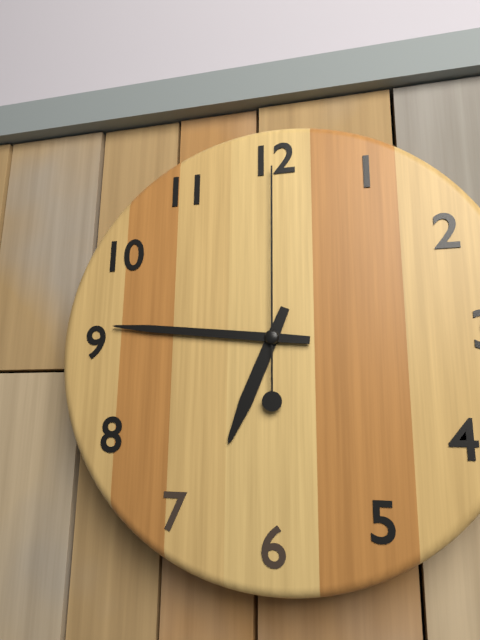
6h46m00s
